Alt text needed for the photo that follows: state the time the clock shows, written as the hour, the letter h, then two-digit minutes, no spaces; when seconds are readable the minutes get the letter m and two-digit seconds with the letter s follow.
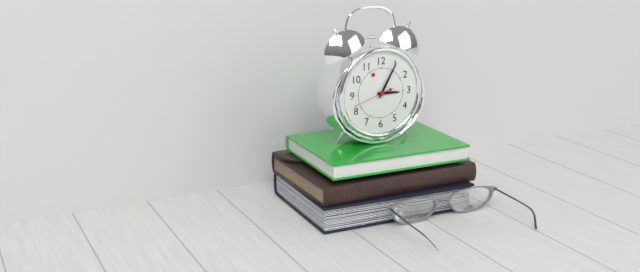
3h05
